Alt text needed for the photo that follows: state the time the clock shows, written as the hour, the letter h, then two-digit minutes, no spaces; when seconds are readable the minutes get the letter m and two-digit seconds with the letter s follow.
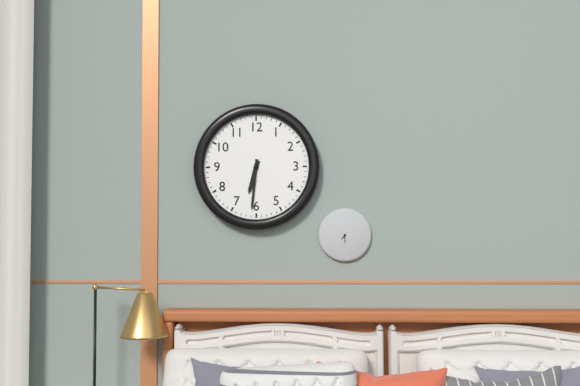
6h31
